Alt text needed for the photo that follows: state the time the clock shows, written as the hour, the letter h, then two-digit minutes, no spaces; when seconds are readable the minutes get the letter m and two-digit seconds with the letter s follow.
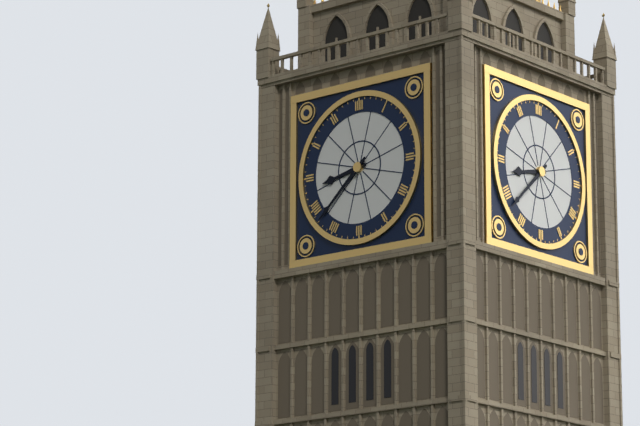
8h38
